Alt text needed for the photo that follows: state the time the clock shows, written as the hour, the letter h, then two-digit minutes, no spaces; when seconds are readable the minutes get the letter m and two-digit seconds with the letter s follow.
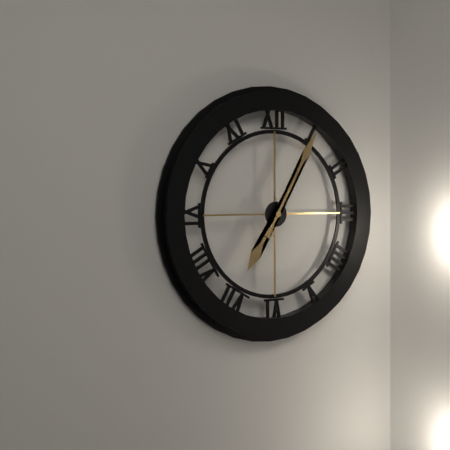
7h05
